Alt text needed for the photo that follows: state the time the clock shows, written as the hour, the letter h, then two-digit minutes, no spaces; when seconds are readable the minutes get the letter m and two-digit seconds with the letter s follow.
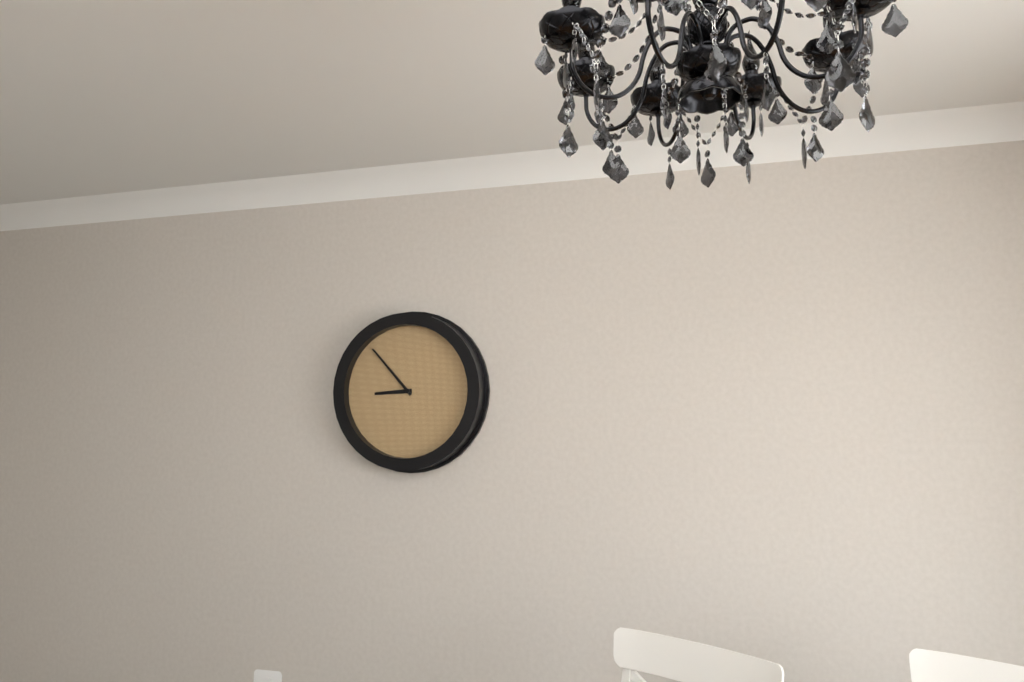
8h53
